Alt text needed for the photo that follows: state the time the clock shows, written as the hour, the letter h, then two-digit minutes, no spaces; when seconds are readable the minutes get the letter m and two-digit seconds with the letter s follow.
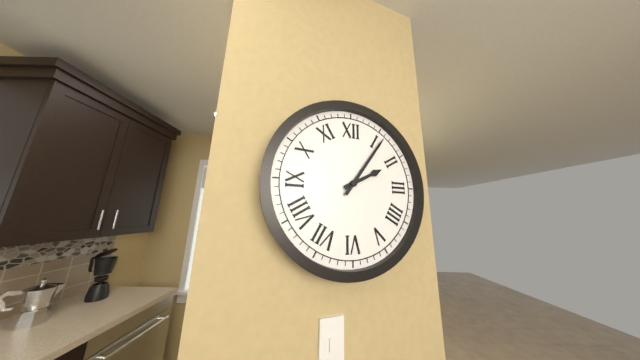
2h06
